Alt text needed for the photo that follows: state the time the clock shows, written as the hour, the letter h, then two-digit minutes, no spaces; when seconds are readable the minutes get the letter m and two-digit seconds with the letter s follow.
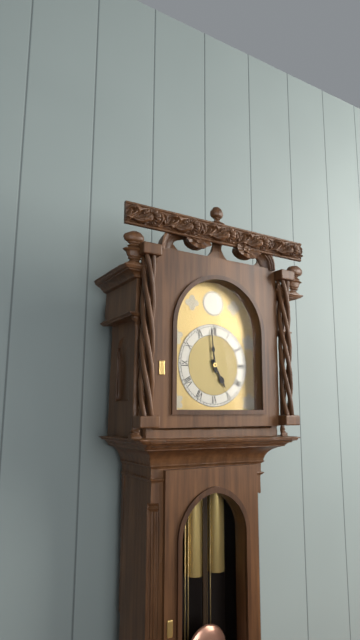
4h59
